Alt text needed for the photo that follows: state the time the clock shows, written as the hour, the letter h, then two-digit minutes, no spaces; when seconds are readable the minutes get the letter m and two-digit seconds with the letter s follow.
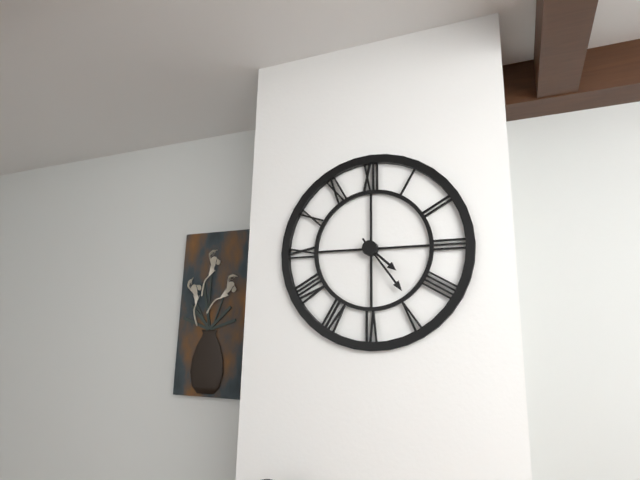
4h24
